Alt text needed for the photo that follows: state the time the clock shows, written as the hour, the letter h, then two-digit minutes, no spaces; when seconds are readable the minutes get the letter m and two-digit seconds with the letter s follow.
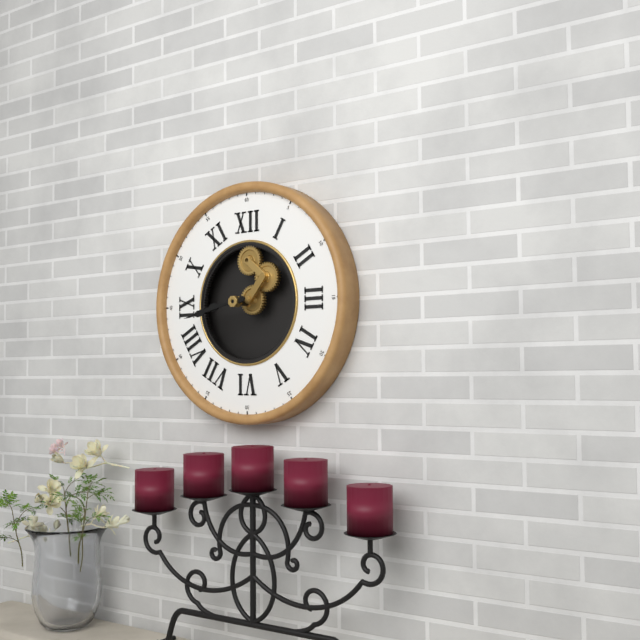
8h43
